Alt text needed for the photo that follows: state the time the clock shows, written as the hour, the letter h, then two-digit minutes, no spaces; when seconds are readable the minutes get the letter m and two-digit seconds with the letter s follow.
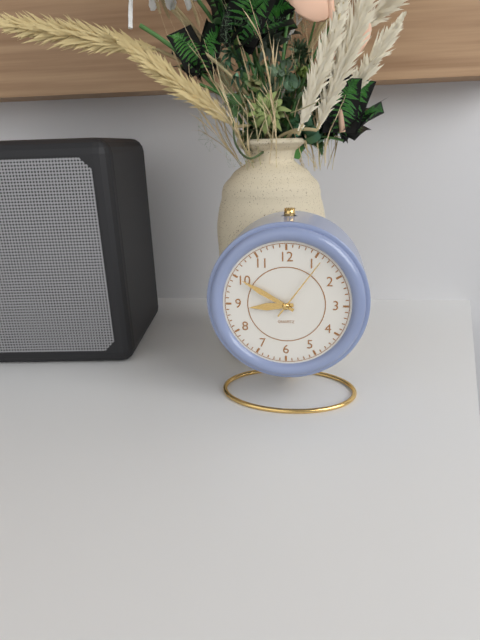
8h50m06s
